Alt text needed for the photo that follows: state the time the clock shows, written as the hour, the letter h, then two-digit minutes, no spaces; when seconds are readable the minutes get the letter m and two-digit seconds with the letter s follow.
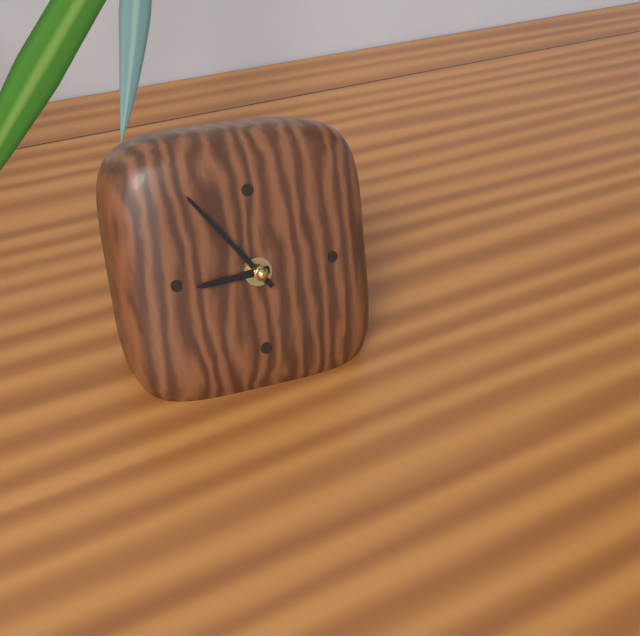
8h54
